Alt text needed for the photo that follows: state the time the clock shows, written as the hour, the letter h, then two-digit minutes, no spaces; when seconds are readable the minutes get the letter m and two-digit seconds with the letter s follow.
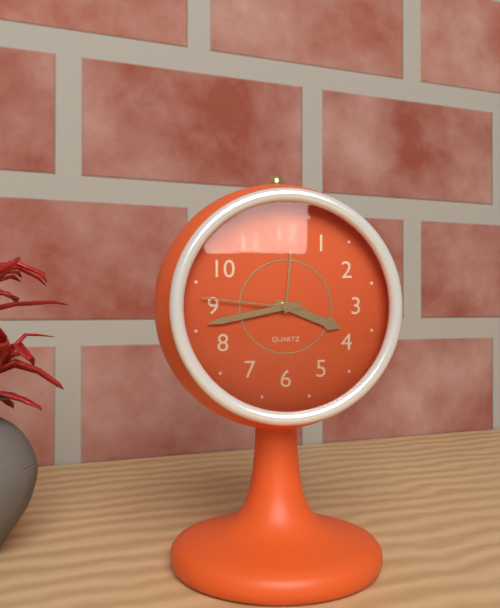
3h43m46s
